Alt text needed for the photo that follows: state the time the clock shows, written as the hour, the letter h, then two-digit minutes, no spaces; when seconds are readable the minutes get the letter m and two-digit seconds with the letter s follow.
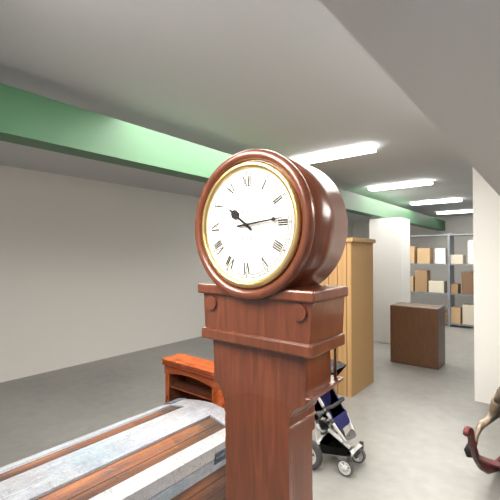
10h14
